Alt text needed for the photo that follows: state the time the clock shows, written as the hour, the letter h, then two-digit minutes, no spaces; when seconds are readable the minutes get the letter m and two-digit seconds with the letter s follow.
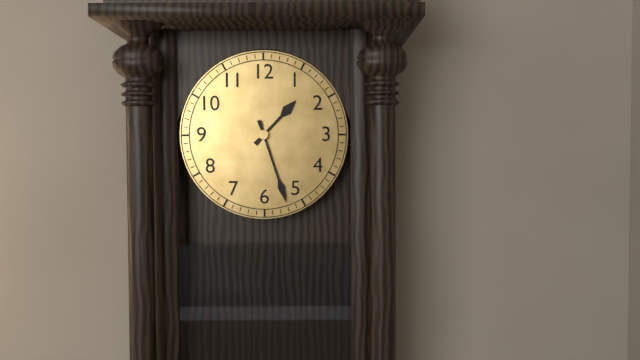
1h27
